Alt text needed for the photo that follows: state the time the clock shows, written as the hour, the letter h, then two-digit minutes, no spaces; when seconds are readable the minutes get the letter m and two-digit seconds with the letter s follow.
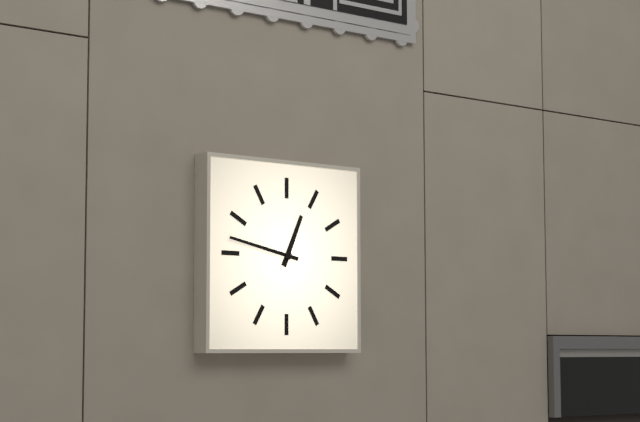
12h47
